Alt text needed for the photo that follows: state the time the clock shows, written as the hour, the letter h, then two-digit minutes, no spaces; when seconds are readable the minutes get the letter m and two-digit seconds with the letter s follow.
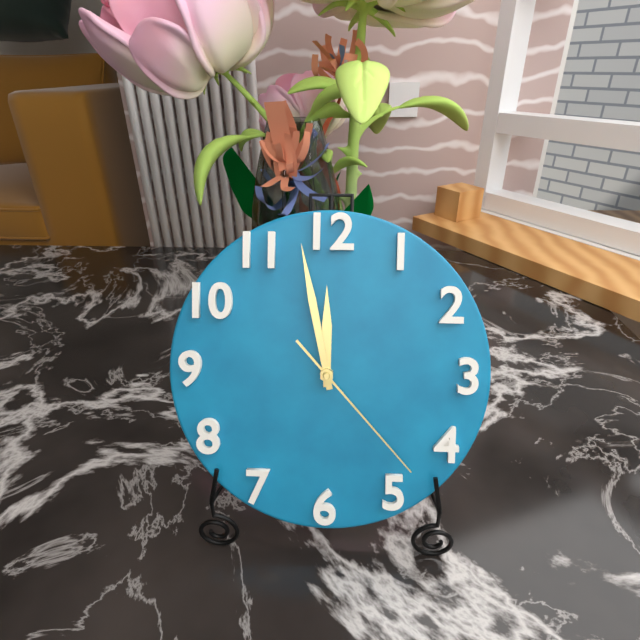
11h58m23s
